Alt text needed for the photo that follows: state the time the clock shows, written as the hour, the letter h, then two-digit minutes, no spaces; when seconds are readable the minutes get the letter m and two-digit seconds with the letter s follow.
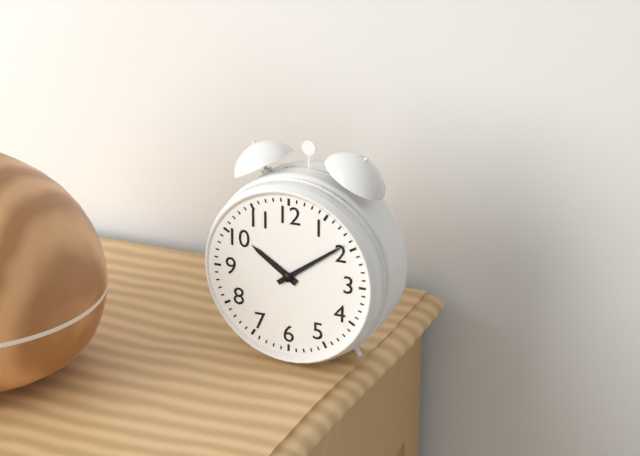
10h09
